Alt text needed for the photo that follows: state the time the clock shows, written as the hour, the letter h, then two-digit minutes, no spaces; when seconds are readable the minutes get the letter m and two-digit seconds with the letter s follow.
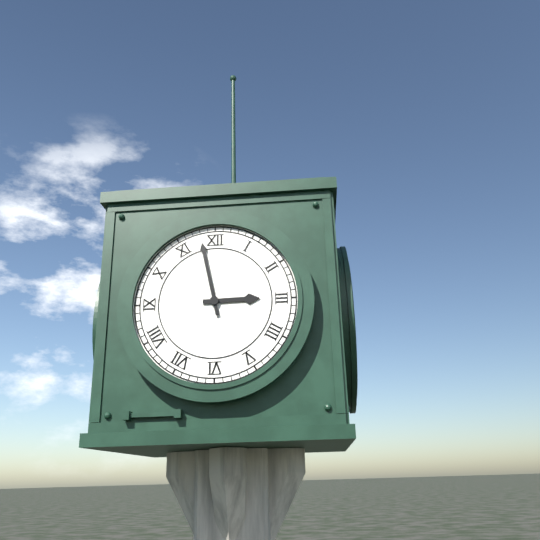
2h58
